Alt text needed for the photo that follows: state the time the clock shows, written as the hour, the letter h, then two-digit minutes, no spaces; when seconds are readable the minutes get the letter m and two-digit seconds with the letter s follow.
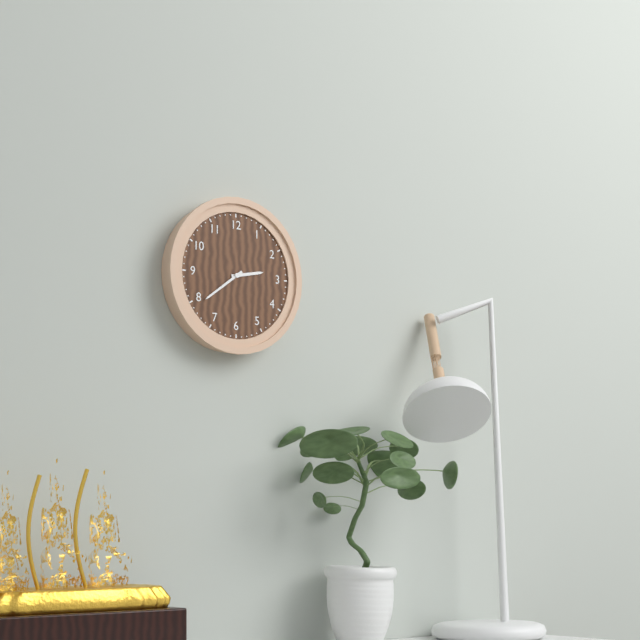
2h39
